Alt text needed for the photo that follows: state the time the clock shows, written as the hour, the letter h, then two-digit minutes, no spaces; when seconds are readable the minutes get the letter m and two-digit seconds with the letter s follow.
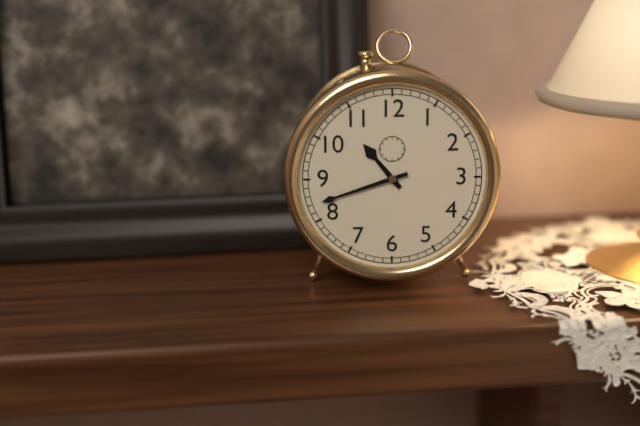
10h42
